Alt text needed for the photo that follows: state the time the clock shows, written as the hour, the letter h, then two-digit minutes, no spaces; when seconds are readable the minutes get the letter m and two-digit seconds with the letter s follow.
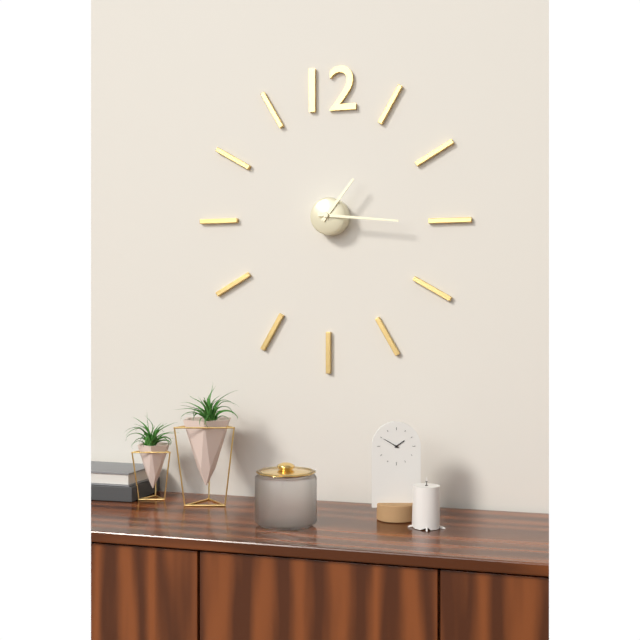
1h16
